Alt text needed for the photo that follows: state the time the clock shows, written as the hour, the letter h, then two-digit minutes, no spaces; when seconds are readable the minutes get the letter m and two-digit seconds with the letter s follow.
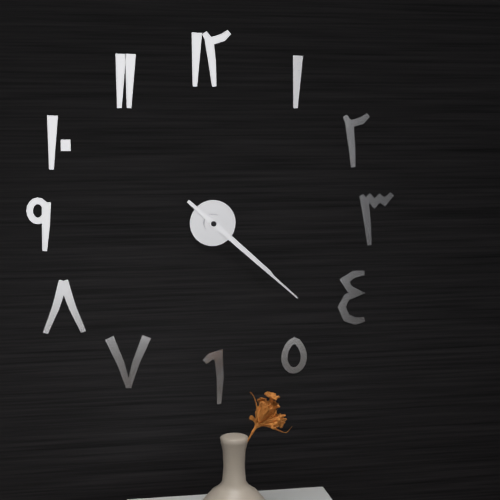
4h22
